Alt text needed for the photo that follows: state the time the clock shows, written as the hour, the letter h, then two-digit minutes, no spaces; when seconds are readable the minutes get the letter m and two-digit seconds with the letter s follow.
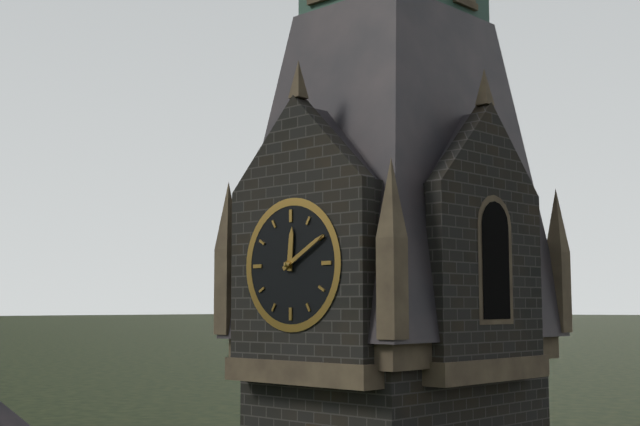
12h10
